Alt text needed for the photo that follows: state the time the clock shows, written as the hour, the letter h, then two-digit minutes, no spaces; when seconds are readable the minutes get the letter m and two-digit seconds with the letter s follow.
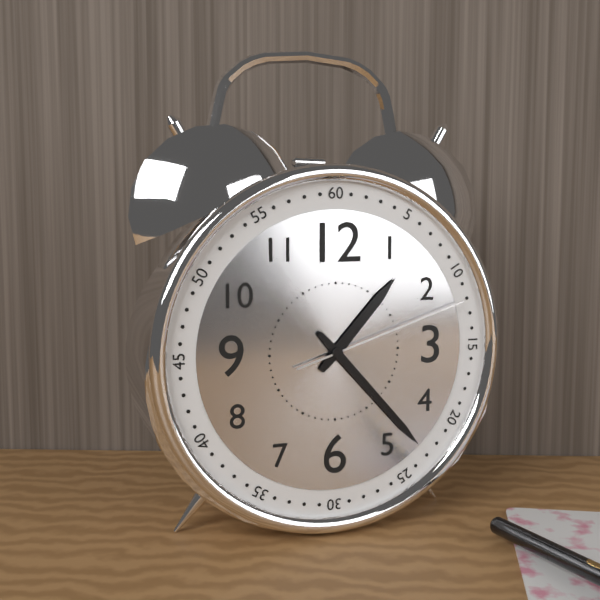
1h23m12s
